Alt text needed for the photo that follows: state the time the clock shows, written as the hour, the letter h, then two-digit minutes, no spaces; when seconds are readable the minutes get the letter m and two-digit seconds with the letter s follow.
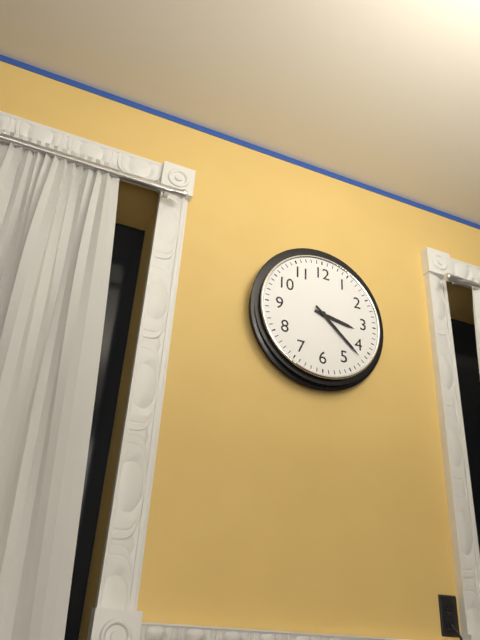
3h22
